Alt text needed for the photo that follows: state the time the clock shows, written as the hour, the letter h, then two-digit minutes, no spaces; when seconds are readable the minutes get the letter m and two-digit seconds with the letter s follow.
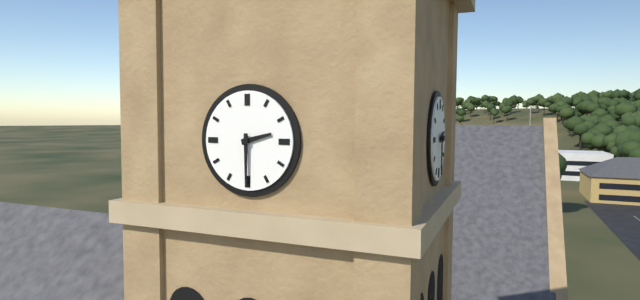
2h30
